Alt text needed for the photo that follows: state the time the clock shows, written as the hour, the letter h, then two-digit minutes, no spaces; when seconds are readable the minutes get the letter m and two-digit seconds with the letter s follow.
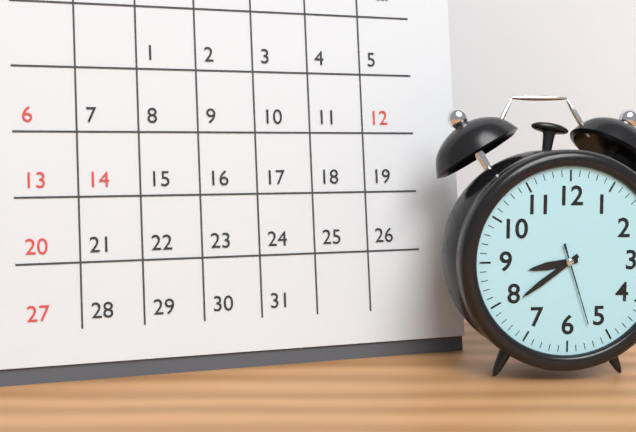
8h39m27s
